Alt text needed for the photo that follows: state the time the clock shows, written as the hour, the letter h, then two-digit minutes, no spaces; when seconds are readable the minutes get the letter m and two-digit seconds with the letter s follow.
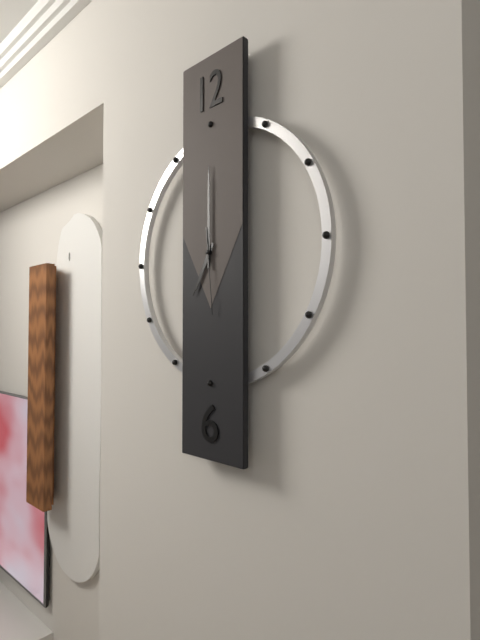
7h00m29s
